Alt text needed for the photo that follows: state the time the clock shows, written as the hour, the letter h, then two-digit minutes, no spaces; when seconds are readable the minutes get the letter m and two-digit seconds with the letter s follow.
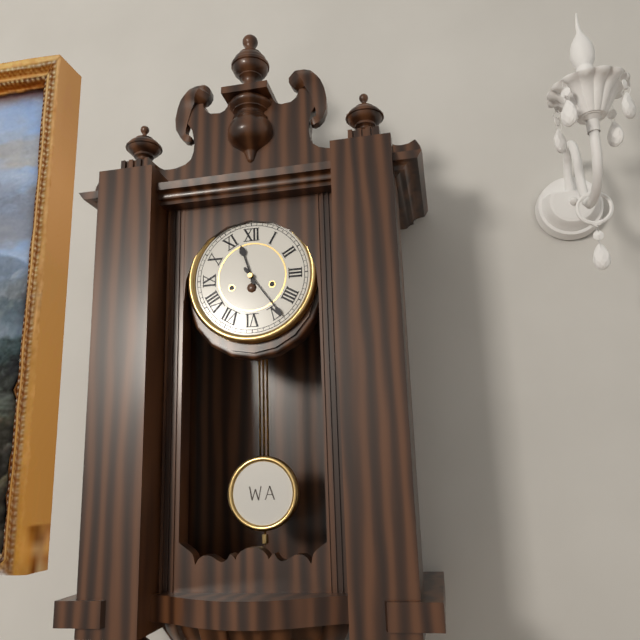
11h24
